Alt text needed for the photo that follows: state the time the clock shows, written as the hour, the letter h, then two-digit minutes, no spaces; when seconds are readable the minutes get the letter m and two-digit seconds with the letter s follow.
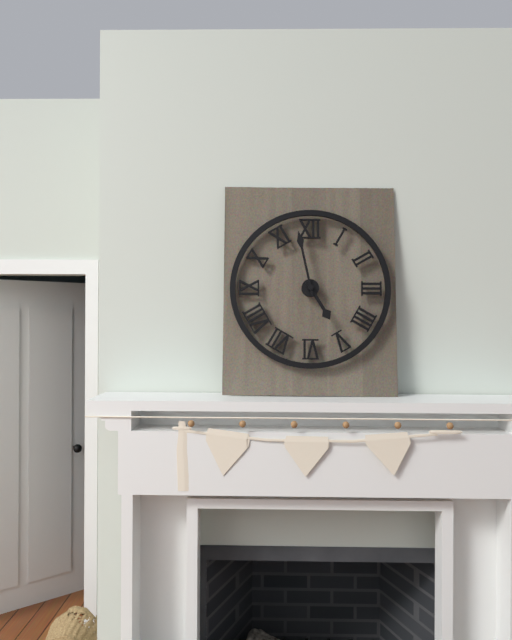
4h58
